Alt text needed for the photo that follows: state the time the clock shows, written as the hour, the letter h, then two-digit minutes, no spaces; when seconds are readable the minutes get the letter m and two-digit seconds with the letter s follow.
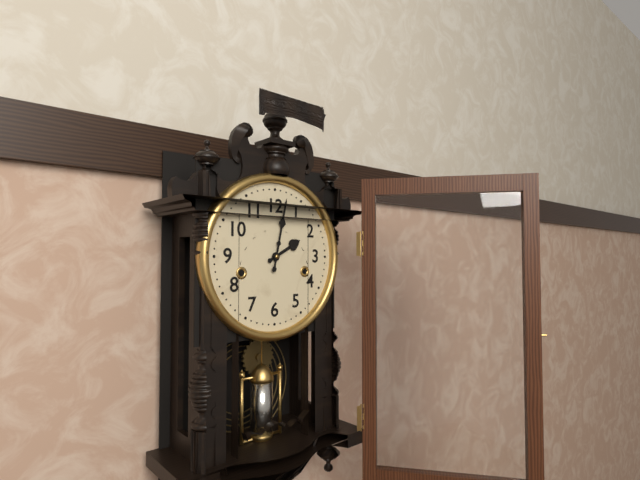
2h02
